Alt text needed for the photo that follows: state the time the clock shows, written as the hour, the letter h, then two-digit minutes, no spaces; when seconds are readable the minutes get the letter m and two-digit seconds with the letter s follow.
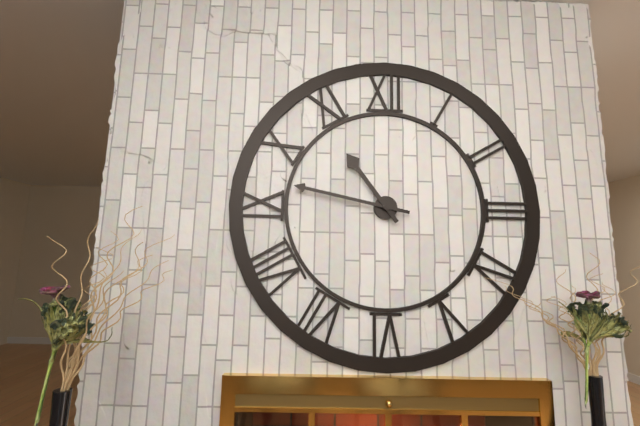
10h47
